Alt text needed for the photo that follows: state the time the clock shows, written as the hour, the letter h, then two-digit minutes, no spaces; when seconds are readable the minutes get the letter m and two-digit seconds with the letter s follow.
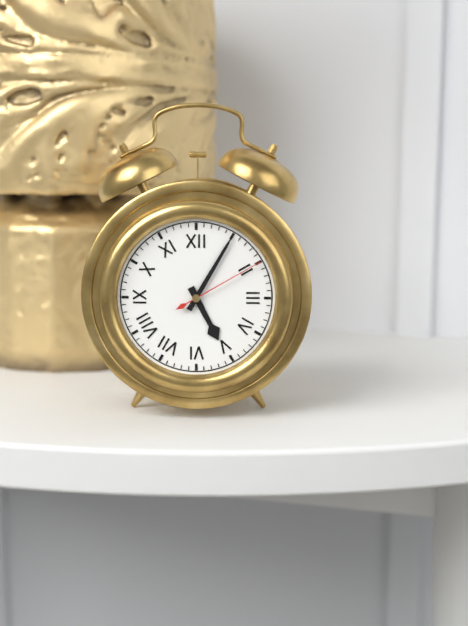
5h05m10s
